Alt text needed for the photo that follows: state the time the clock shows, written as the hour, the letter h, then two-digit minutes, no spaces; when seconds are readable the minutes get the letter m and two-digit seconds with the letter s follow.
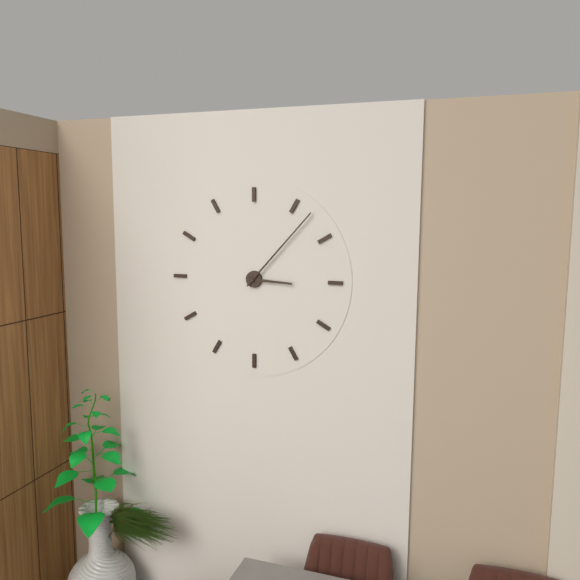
3h07
